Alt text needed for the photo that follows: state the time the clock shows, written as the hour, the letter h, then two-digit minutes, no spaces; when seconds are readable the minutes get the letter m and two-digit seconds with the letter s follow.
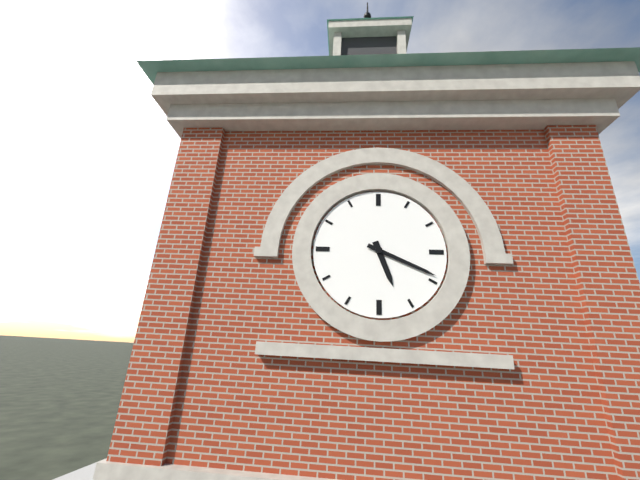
5h19
